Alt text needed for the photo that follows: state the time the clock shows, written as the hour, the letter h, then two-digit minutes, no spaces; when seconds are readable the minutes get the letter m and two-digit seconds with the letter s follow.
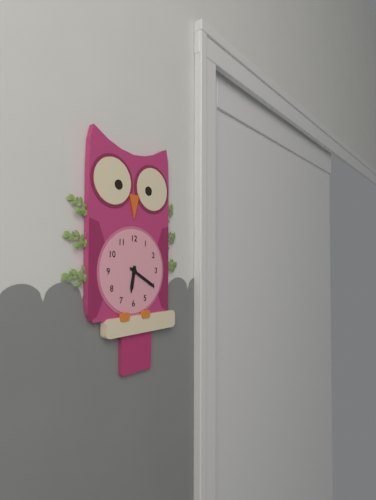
6h20
